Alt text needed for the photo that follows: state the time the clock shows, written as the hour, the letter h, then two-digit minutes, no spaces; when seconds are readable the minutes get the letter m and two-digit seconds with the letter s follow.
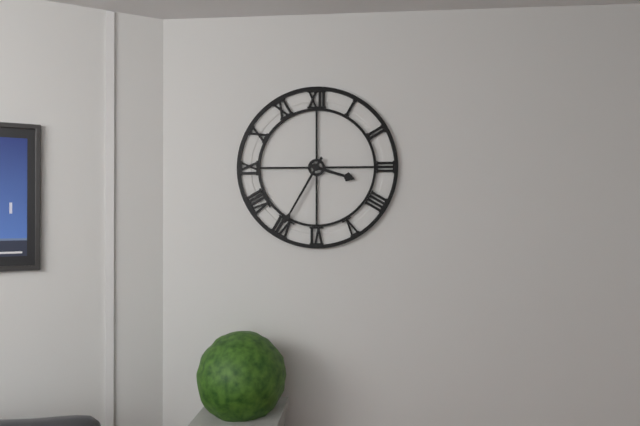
3h35
